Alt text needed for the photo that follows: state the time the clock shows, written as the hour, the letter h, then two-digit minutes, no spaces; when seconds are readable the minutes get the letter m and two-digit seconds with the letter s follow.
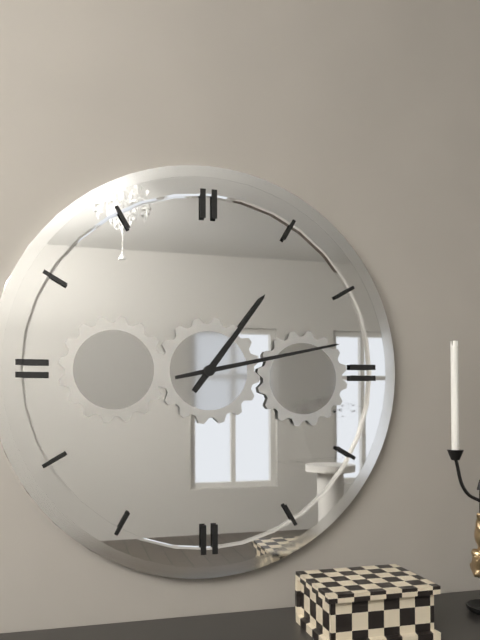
1h13
